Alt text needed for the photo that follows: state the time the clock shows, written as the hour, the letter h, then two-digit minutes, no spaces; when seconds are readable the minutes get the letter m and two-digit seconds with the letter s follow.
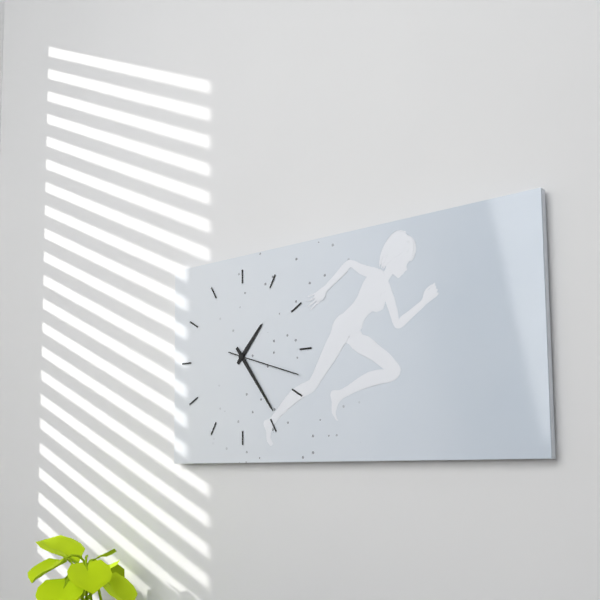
1h24m18s
